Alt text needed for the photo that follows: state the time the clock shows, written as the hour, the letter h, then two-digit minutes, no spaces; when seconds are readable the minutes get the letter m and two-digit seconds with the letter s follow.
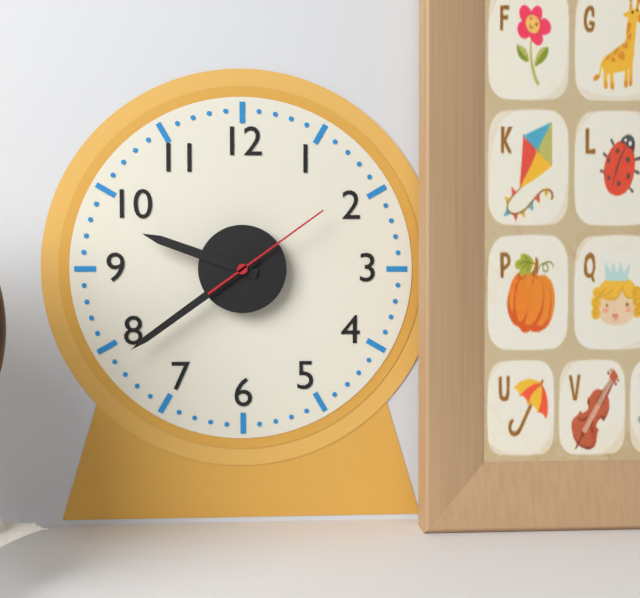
9h39m09s
